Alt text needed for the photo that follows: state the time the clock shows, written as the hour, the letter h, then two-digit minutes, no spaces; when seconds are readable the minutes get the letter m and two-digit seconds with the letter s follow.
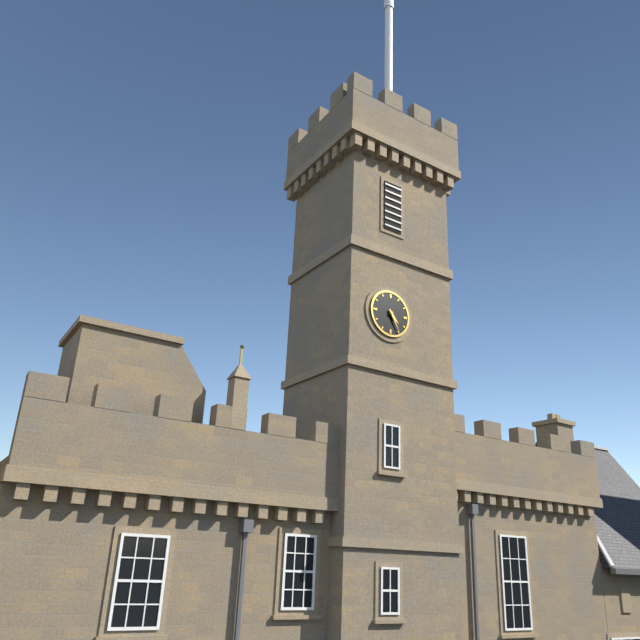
4h25
